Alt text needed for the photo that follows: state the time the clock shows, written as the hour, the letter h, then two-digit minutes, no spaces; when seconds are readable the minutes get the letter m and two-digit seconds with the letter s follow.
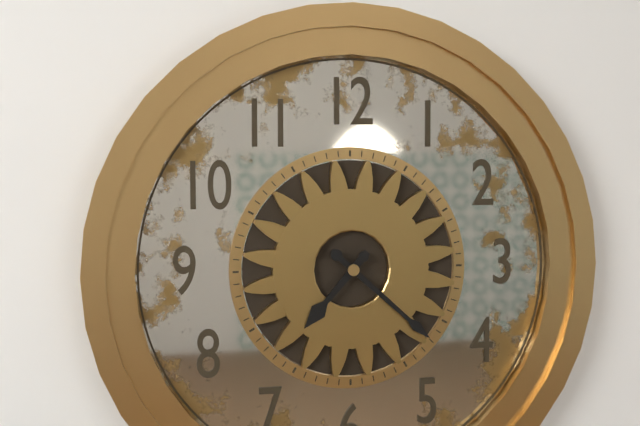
7h22
